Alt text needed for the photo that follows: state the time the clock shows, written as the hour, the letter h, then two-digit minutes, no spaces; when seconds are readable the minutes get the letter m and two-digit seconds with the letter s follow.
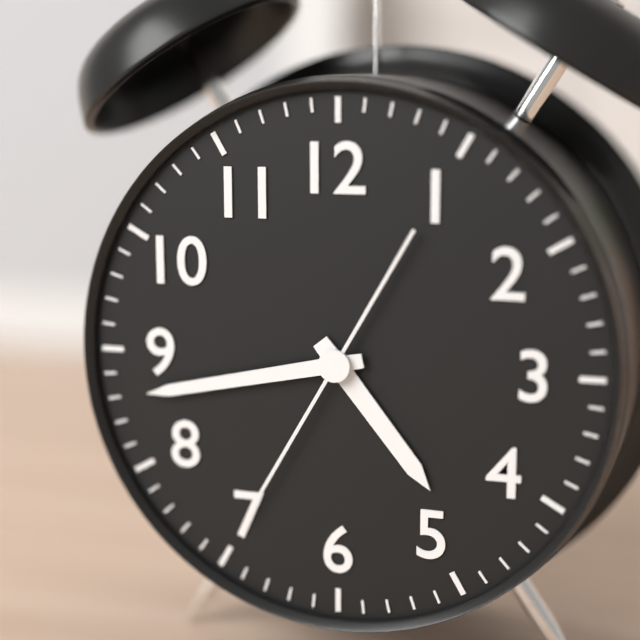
4h43m35s
